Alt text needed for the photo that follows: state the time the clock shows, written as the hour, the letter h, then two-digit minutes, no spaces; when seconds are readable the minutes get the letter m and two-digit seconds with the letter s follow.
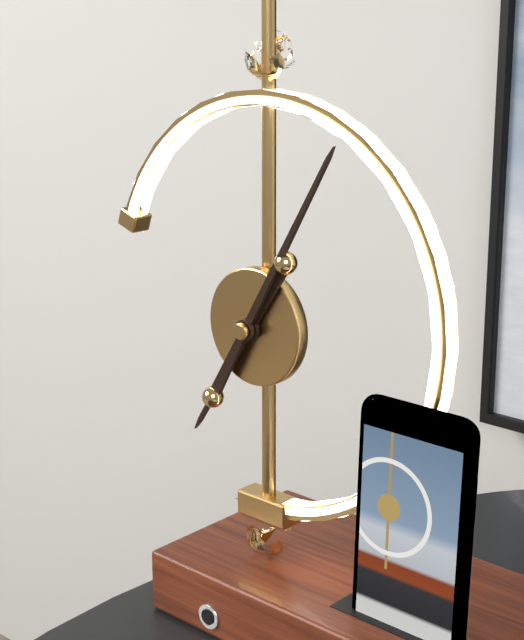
7h05
